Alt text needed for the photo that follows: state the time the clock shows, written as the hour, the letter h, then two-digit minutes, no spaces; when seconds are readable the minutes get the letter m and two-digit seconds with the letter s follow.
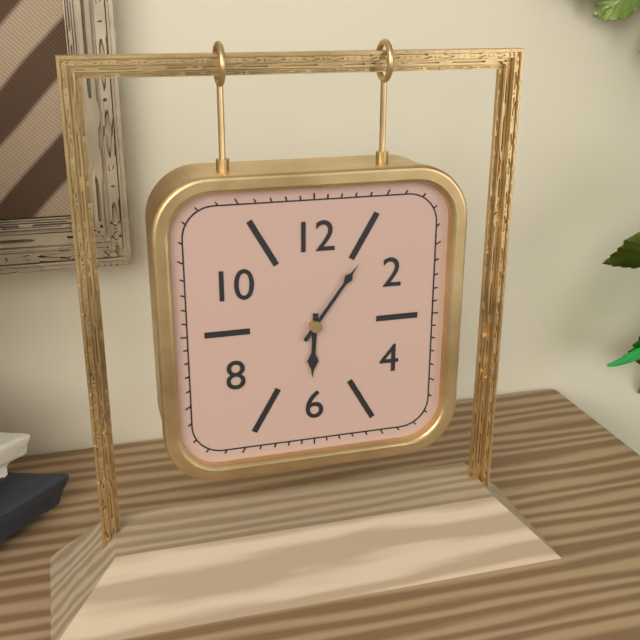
6h06
